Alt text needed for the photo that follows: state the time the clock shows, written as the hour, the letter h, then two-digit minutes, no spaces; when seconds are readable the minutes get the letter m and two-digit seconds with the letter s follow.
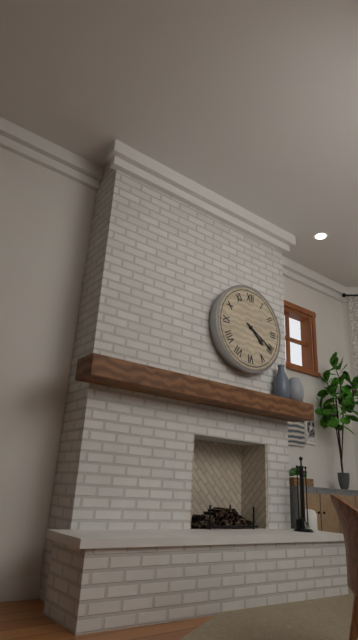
4h20
